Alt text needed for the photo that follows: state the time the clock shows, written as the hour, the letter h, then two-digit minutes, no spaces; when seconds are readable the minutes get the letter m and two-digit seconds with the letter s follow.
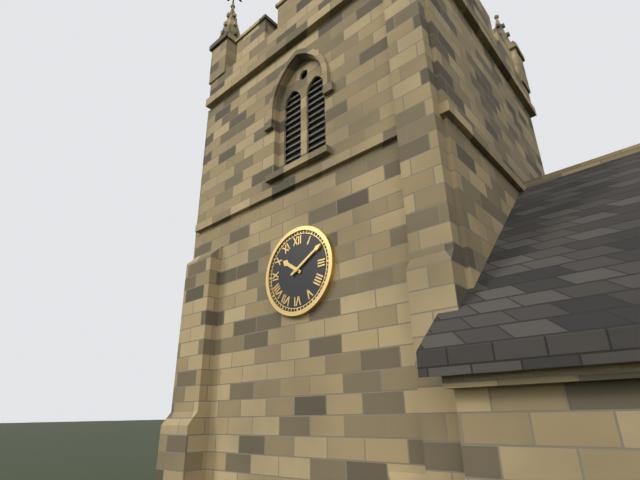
10h10
